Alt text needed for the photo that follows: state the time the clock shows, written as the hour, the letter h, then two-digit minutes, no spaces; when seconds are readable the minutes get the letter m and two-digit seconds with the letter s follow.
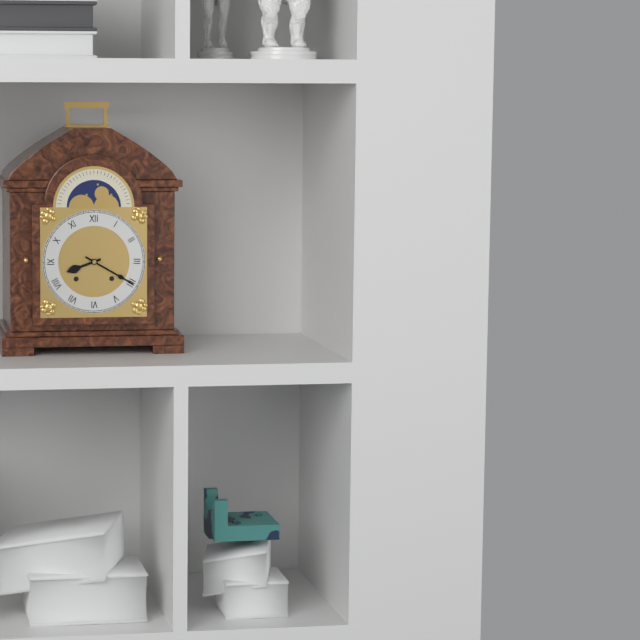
8h20
